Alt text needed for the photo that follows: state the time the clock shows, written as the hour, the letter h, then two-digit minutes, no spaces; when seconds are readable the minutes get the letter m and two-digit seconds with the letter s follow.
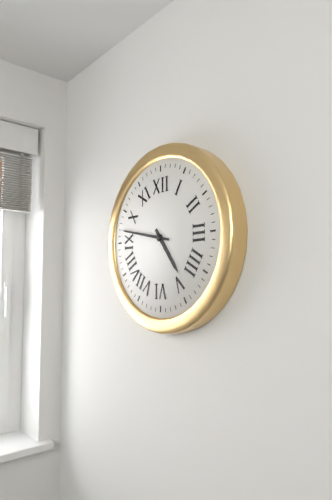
4h47
